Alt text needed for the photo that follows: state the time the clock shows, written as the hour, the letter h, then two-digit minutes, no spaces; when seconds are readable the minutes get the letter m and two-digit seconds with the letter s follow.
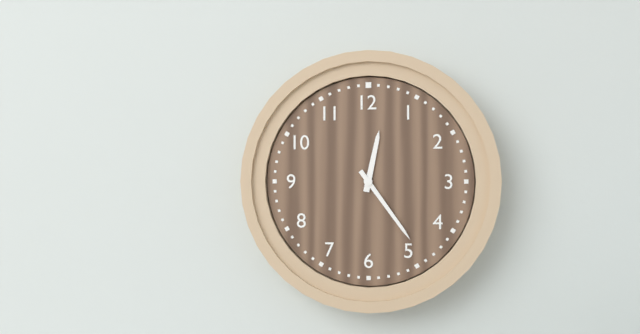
12h24
